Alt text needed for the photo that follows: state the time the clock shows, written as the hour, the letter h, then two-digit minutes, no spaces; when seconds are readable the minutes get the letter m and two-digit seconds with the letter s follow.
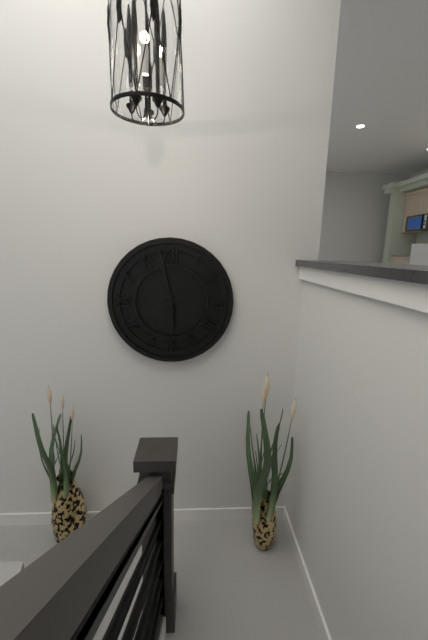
5h58m08s
